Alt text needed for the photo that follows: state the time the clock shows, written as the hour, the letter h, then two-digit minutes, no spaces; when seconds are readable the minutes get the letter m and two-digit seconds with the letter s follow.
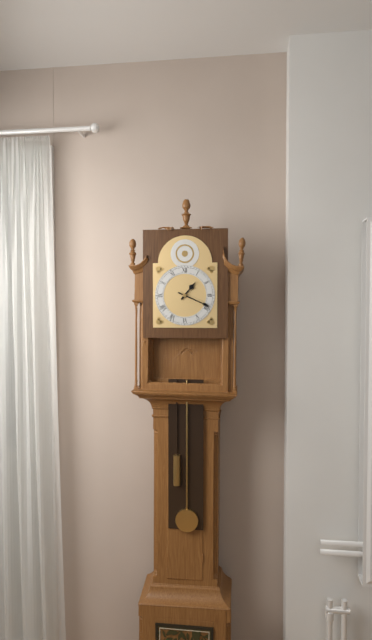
1h19
